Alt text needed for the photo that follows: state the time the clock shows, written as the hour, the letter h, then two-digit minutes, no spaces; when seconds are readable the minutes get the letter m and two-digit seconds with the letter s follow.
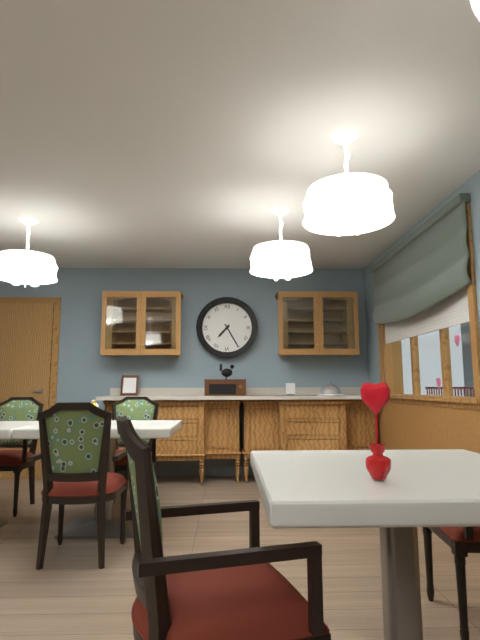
7h25
